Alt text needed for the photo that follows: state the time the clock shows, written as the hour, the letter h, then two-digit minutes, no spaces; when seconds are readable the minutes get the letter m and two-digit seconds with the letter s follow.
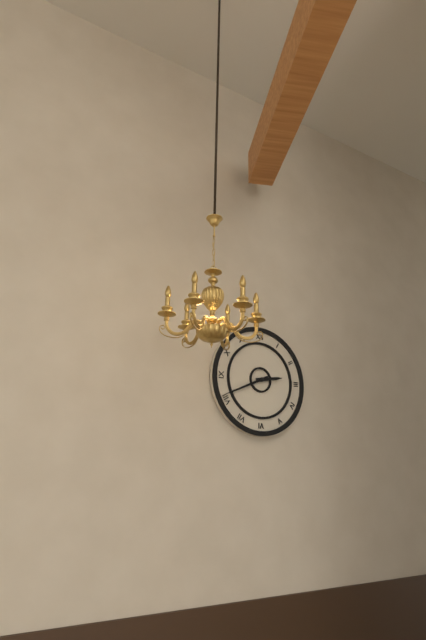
2h41
